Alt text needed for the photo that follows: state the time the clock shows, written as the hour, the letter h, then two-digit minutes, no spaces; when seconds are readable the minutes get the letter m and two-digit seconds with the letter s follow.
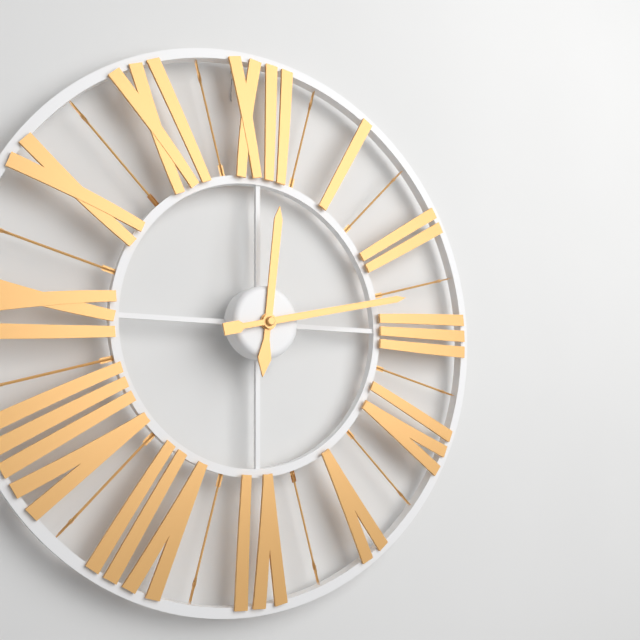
12h13
